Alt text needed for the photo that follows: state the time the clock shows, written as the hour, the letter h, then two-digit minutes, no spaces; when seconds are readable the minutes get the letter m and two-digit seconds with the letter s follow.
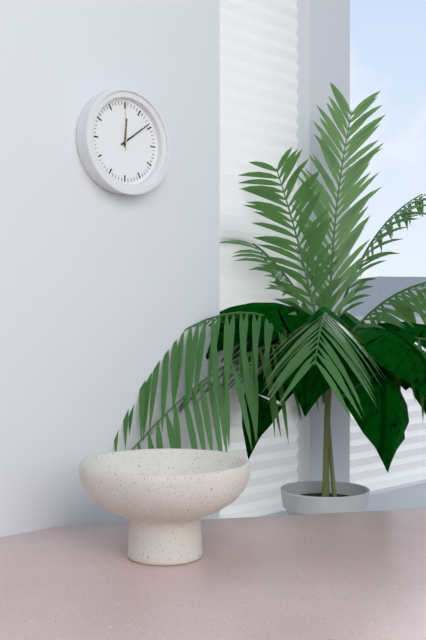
12h09
